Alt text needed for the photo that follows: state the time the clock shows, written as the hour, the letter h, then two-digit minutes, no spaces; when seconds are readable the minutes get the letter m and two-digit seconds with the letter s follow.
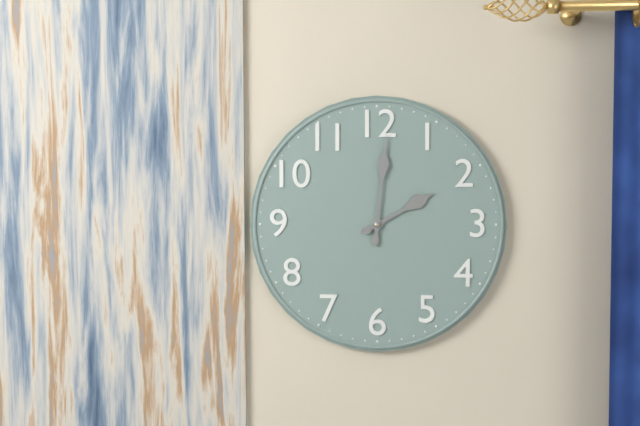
2h01
